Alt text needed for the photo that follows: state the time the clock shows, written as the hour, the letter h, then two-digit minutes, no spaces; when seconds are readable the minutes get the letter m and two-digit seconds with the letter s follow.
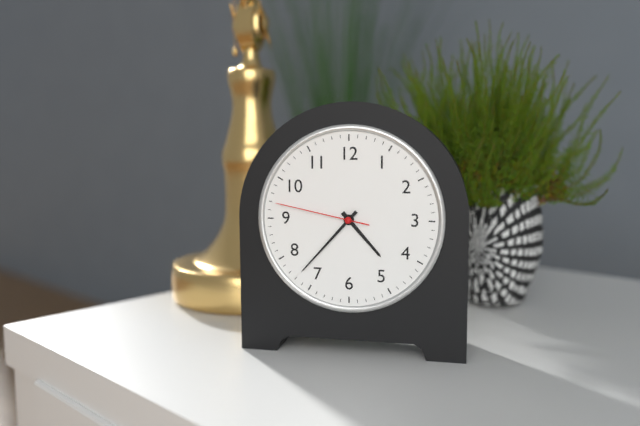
4h37m47s
